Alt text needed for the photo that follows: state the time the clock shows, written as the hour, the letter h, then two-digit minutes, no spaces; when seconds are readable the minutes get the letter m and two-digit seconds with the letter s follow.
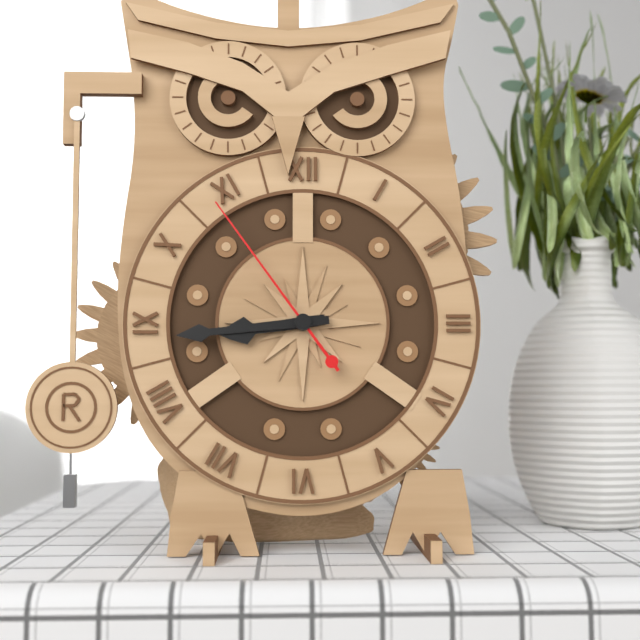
8h44m54s
